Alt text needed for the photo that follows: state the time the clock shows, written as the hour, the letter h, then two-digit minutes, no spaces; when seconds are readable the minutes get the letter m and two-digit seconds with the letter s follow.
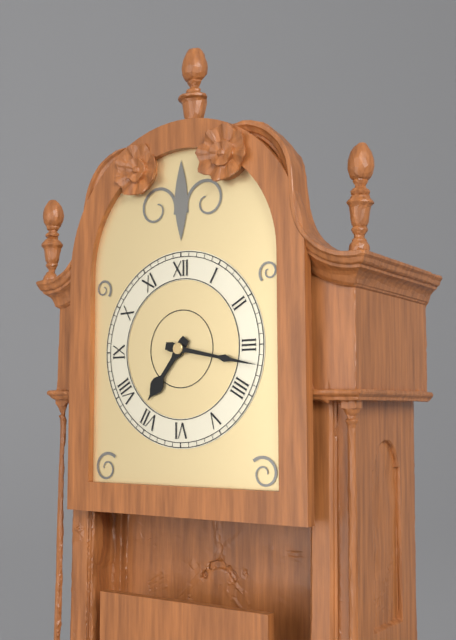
7h17
